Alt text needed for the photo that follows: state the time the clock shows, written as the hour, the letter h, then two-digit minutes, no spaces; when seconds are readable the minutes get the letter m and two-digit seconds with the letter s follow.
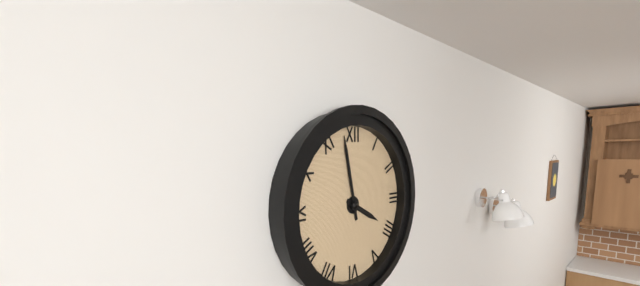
3h58
